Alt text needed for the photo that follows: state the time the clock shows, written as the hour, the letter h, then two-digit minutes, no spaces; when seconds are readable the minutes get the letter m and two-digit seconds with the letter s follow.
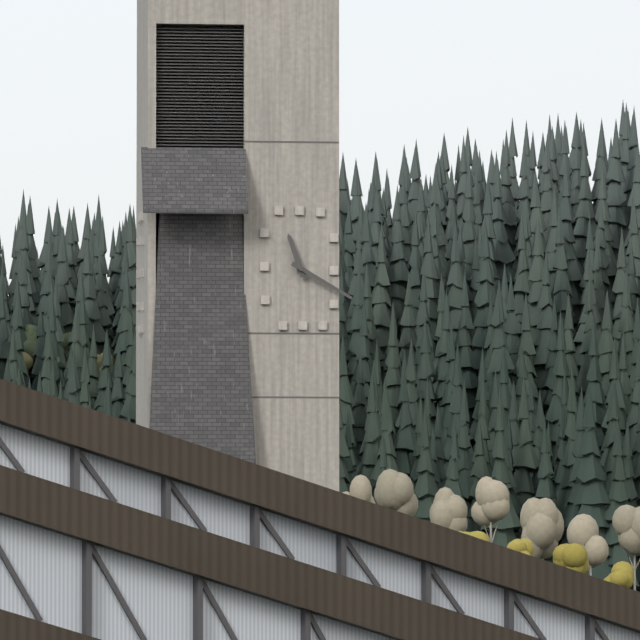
11h20
